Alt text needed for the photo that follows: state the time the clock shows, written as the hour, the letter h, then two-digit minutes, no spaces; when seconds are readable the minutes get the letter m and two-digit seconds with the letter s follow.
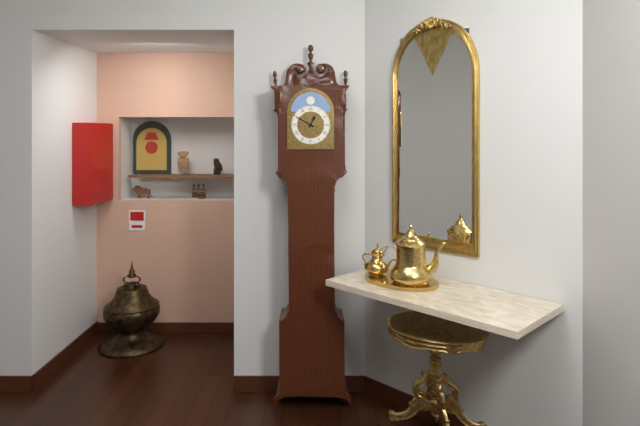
12h50
